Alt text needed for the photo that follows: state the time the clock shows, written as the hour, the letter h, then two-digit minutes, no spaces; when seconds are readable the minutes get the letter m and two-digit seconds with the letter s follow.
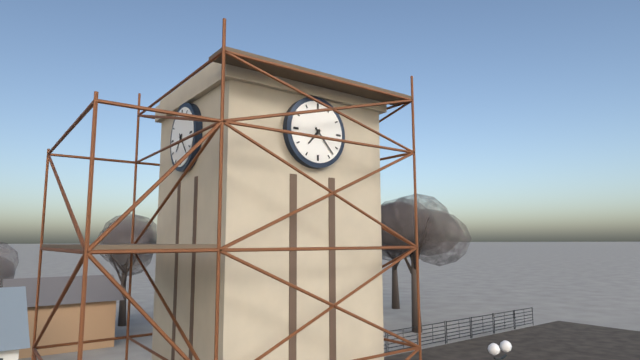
7h23
